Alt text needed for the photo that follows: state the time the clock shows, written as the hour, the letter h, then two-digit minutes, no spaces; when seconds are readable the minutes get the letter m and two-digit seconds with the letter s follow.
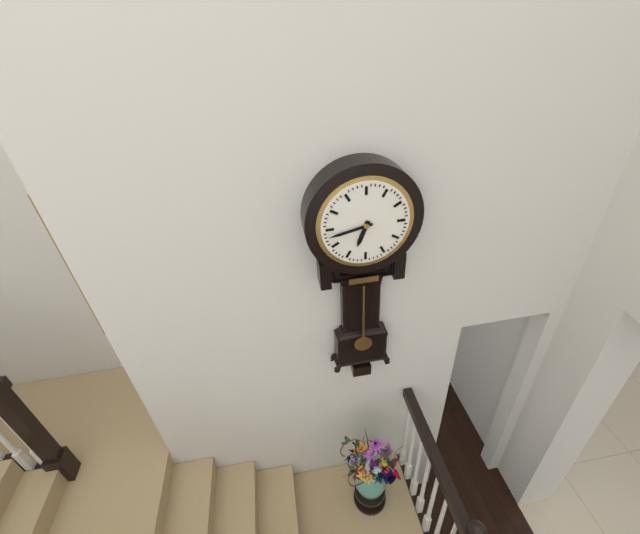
6h43
